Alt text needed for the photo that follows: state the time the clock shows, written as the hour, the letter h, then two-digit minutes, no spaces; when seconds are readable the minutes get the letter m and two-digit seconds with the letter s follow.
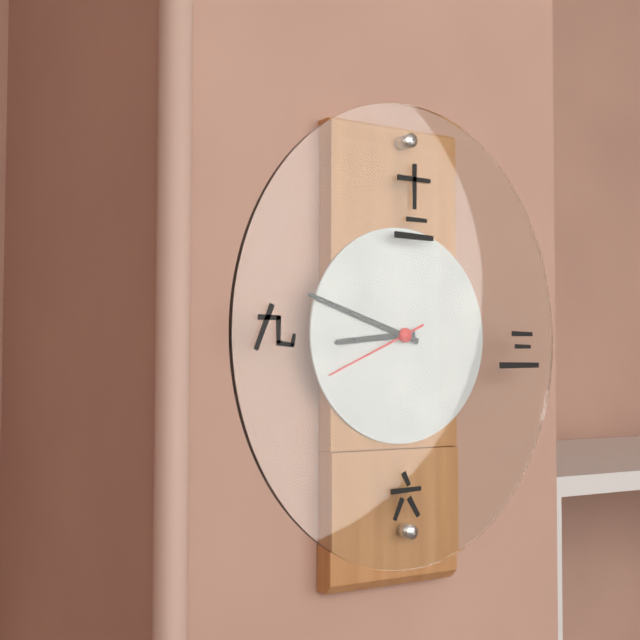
8h48m41s
